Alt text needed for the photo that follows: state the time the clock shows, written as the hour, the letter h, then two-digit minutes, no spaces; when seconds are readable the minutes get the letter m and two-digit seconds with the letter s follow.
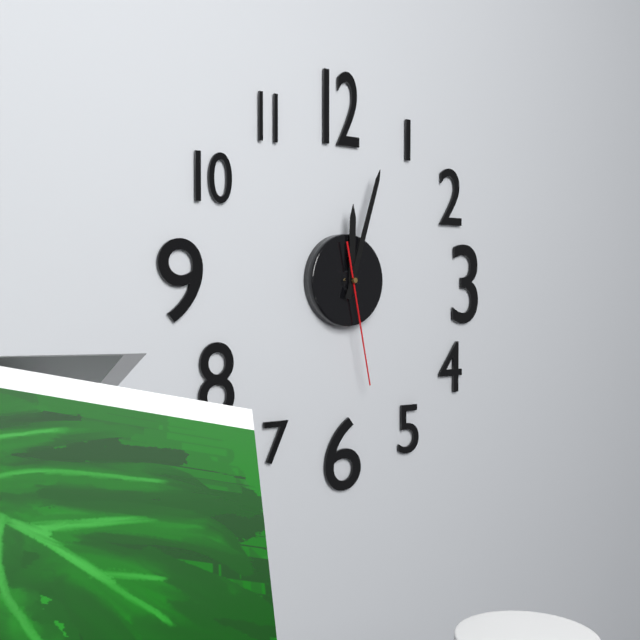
12h03m28s
